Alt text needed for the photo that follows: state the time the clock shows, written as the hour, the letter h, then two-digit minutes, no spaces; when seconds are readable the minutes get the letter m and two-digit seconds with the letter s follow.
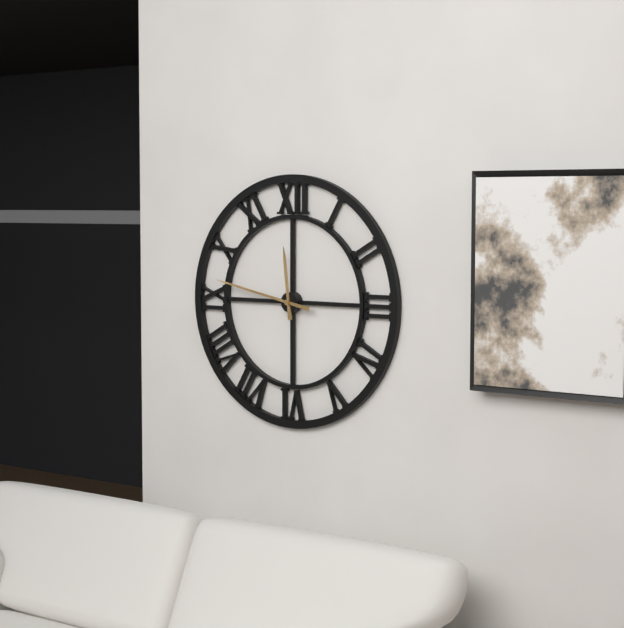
11h47
